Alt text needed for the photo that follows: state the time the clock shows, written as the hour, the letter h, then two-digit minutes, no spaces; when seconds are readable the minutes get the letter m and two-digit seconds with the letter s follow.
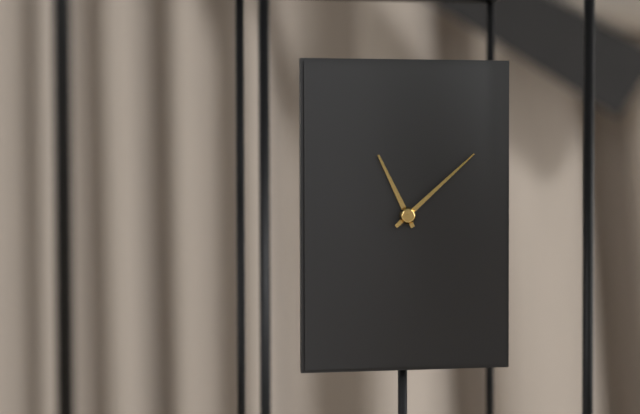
11h08
